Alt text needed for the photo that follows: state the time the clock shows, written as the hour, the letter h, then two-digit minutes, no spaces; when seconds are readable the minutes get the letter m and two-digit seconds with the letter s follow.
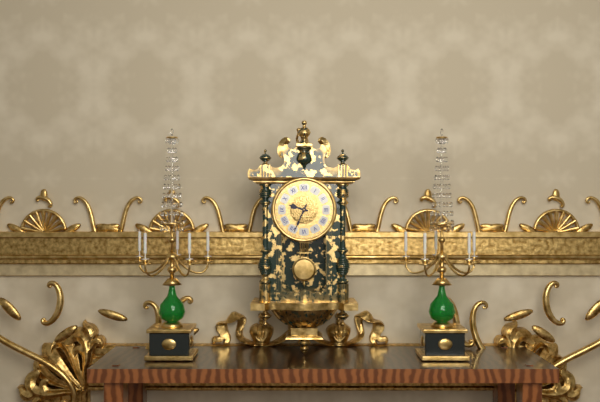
9h34
